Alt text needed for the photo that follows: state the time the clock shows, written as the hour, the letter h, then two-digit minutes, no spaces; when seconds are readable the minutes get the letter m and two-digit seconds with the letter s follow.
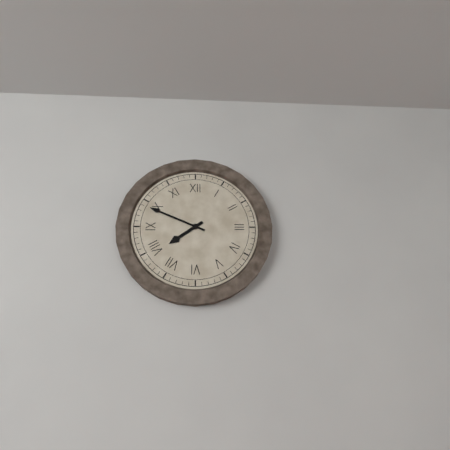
7h49
